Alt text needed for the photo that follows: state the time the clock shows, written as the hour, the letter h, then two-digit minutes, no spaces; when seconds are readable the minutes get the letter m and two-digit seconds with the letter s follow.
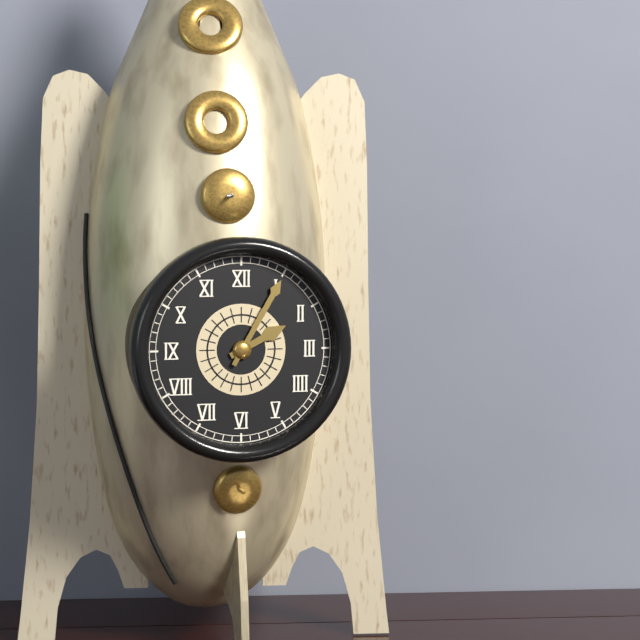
2h05
